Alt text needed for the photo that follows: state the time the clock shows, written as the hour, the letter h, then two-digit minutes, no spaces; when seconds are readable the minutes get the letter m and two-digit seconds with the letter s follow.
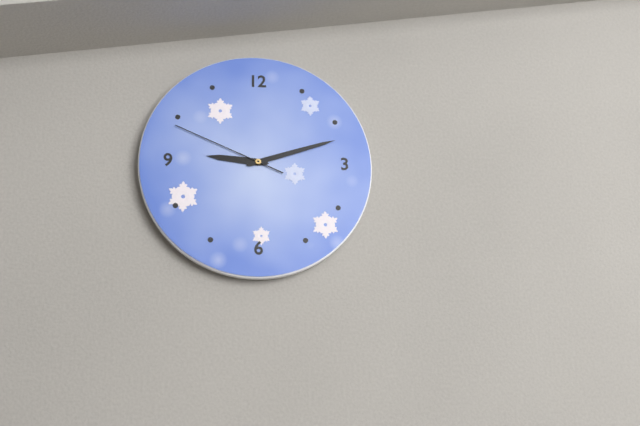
9h12m49s
